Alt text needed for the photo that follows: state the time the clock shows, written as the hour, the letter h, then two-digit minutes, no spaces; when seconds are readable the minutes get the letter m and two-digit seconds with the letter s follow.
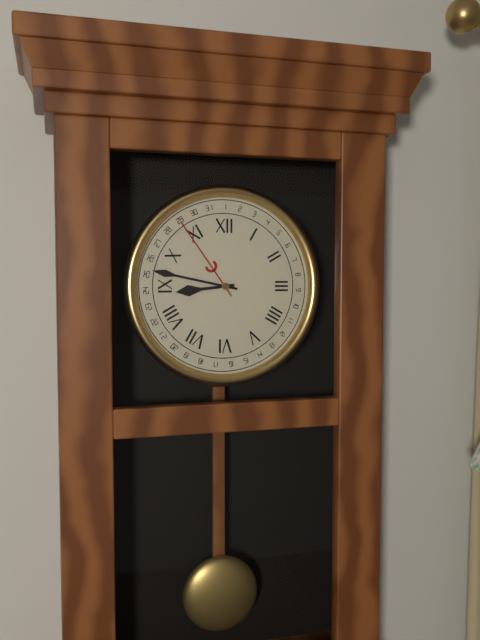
8h47
